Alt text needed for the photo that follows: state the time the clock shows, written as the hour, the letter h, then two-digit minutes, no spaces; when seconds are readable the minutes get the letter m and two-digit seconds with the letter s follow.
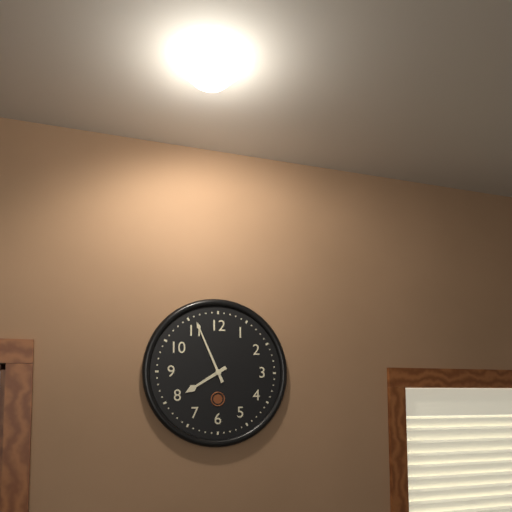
7h56
